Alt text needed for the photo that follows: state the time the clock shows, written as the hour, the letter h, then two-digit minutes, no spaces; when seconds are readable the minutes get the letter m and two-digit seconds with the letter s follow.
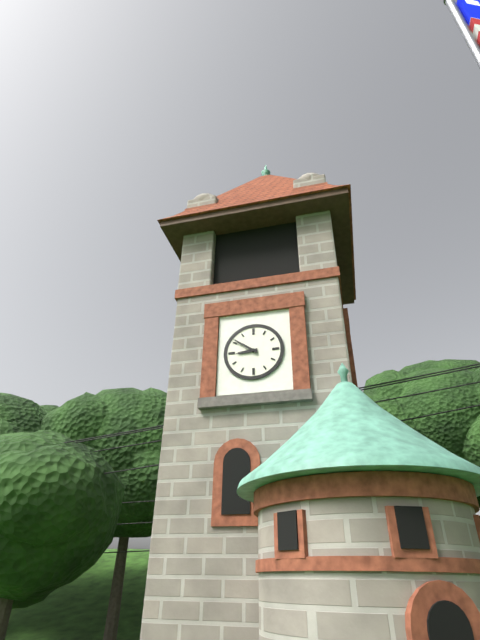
8h51
